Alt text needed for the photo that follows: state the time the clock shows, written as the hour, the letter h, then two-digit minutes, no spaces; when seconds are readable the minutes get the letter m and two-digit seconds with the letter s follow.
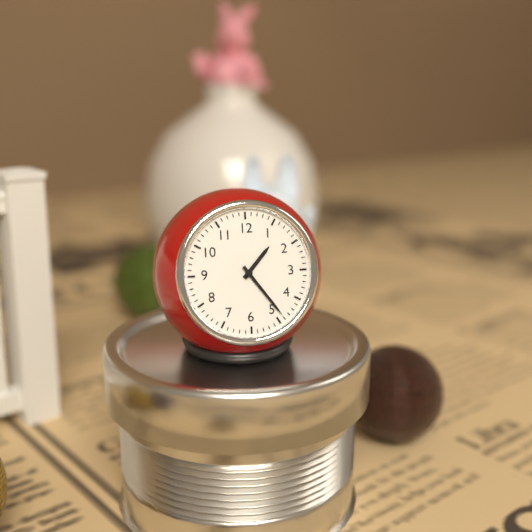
1h24
